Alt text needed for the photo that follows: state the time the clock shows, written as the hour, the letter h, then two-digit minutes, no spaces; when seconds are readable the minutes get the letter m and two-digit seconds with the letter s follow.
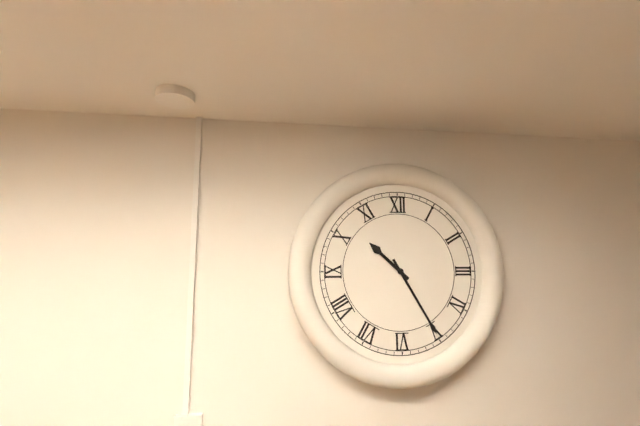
10h25
